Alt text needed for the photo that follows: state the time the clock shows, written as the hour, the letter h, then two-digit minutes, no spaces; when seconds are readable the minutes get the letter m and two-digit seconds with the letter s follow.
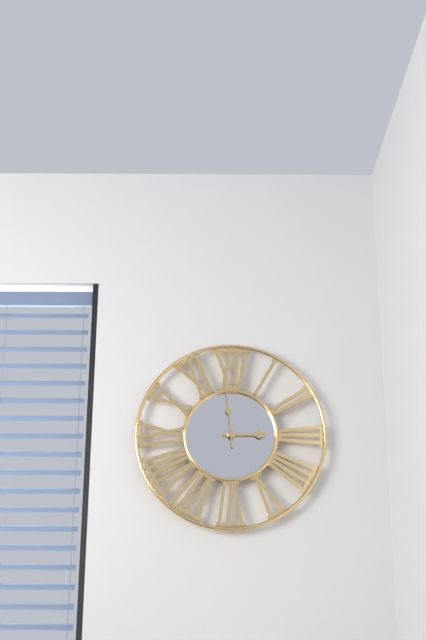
2h59
